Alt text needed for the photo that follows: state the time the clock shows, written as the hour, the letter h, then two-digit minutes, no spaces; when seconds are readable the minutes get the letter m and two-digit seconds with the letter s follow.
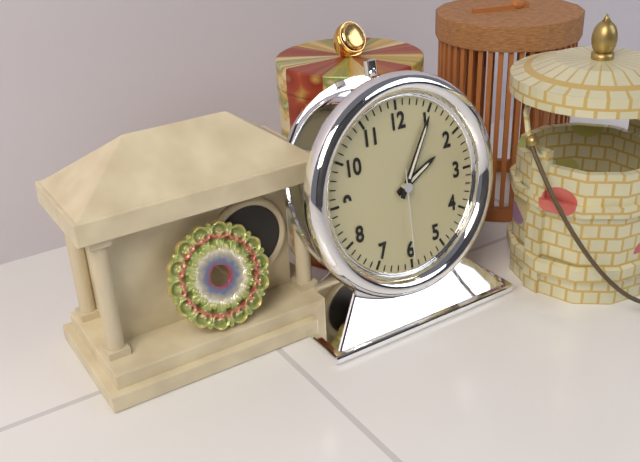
2h05m30s
